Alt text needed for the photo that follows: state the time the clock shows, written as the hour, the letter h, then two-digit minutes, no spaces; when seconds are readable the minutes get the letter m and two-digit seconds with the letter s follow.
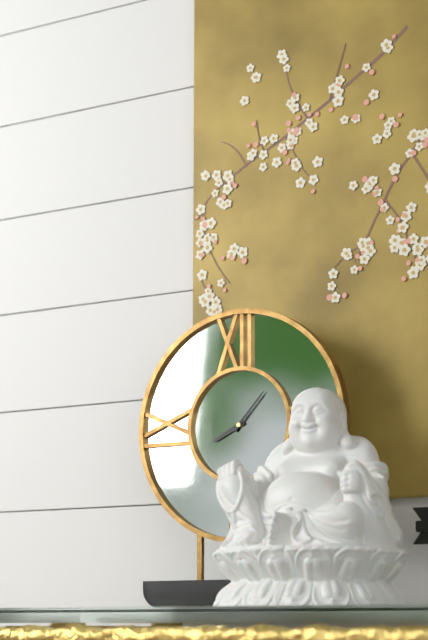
8h07
